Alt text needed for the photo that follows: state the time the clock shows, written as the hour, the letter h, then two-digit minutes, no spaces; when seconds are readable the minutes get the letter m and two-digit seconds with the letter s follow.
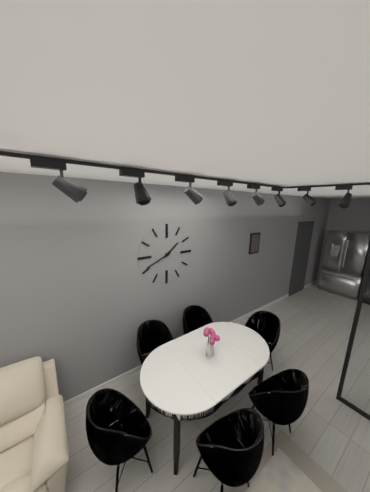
1h41
